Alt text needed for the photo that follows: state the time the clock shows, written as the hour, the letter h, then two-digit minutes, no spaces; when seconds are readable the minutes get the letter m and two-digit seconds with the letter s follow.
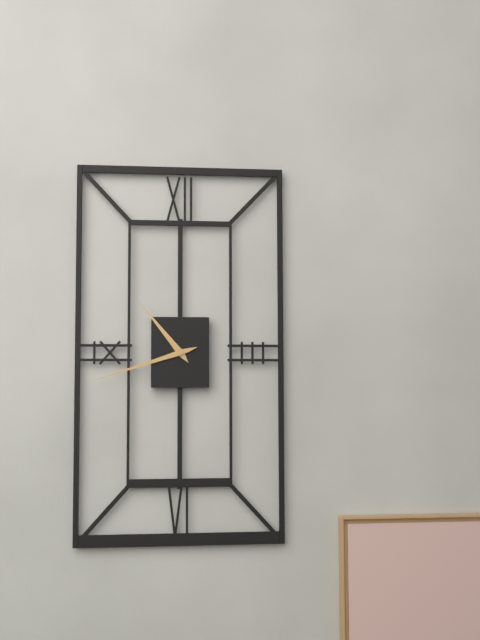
10h42
